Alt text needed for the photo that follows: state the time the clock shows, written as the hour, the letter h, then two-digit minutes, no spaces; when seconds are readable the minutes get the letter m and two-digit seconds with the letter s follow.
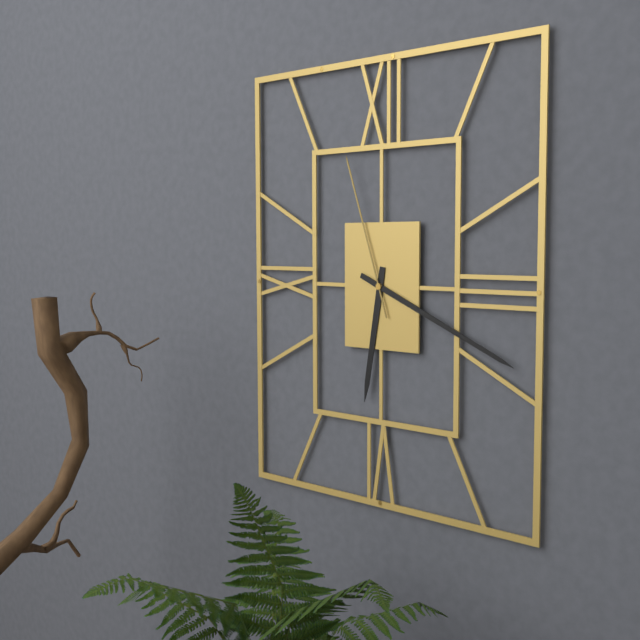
6h19m57s
